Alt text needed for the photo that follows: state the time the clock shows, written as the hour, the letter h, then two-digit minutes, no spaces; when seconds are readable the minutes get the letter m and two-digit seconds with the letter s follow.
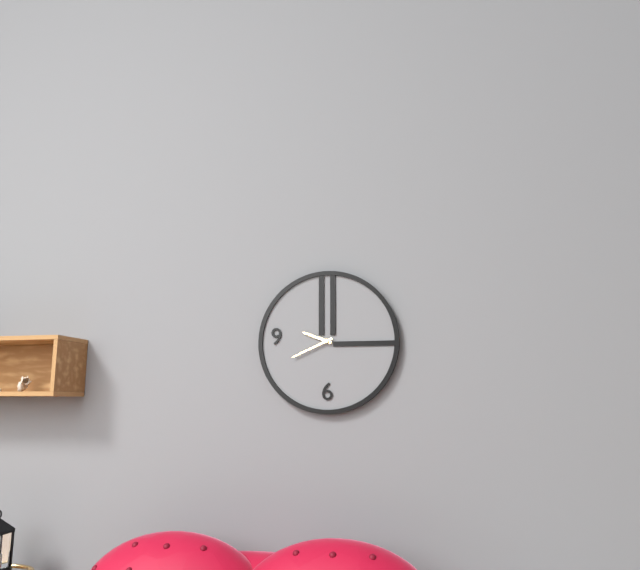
9h41
